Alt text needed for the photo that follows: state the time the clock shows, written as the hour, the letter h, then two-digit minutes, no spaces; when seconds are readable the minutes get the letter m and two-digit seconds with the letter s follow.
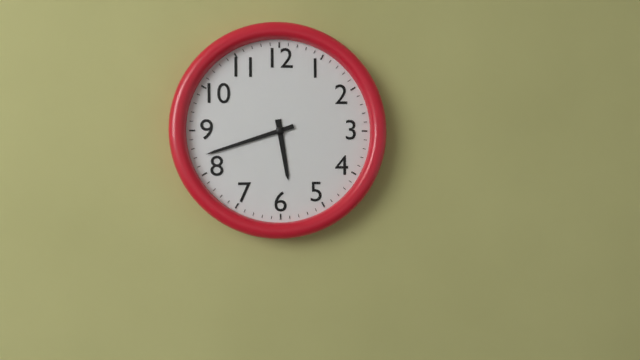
5h42
